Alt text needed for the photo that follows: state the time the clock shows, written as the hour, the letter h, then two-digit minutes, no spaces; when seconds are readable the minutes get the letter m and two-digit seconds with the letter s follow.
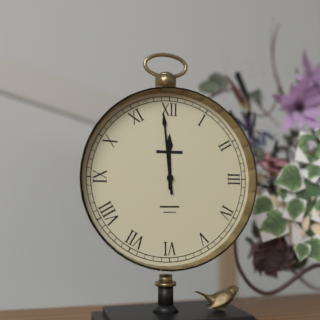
11h59
